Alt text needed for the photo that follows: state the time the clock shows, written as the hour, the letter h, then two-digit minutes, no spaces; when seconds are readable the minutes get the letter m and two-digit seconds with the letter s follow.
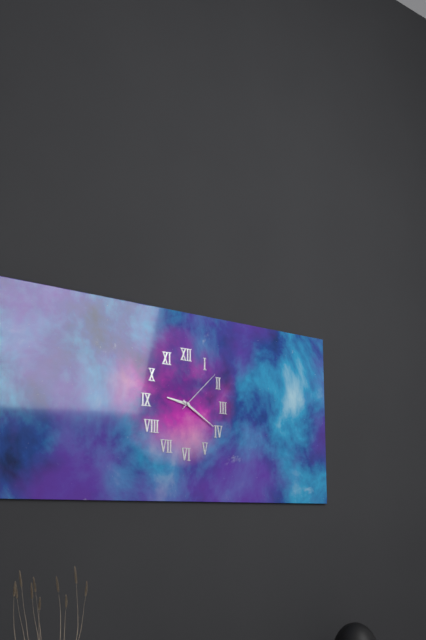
9h20m08s
